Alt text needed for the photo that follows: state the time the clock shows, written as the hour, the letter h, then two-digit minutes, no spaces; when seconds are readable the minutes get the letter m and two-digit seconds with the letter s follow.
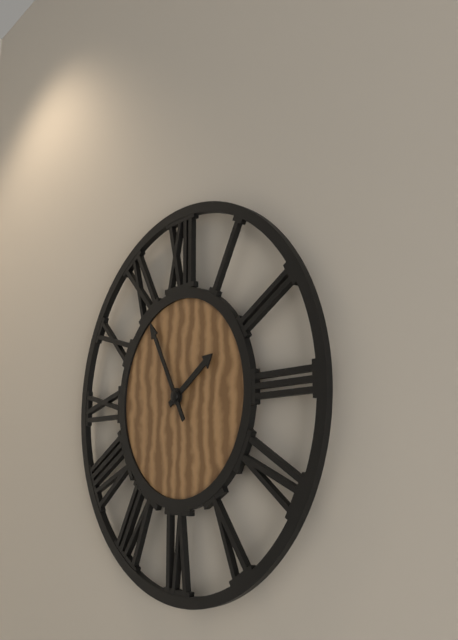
1h55
